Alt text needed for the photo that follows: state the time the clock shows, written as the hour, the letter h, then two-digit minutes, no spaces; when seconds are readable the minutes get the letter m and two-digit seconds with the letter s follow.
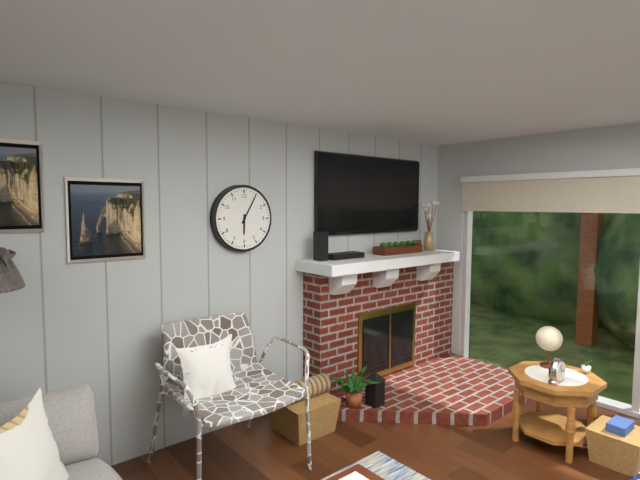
6h05
